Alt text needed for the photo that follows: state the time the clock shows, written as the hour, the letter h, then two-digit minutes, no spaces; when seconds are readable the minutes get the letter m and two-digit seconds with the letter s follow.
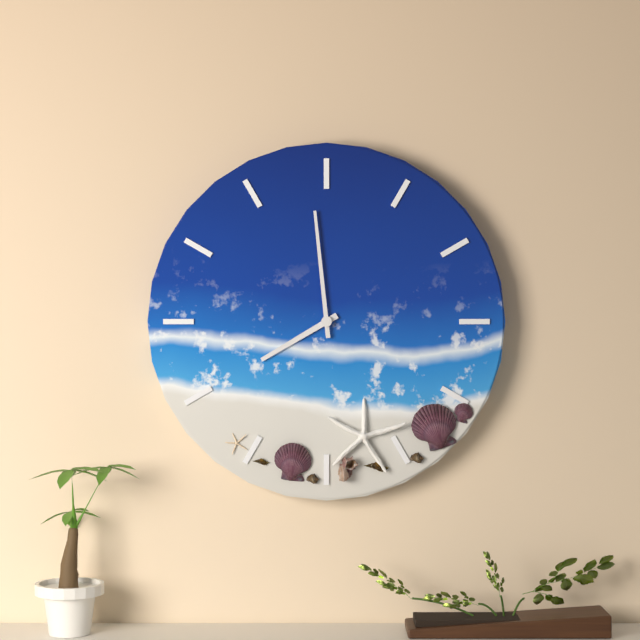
7h59
